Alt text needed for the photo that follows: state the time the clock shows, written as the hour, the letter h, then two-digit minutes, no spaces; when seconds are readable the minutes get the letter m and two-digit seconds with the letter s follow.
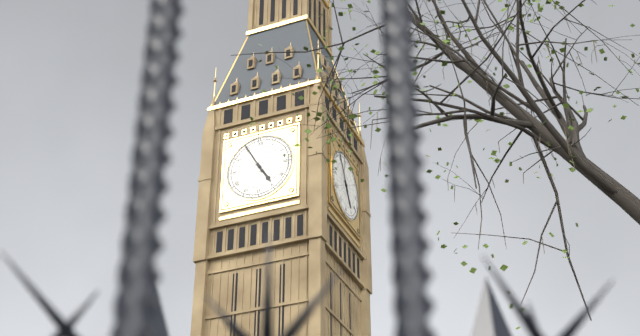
4h55
